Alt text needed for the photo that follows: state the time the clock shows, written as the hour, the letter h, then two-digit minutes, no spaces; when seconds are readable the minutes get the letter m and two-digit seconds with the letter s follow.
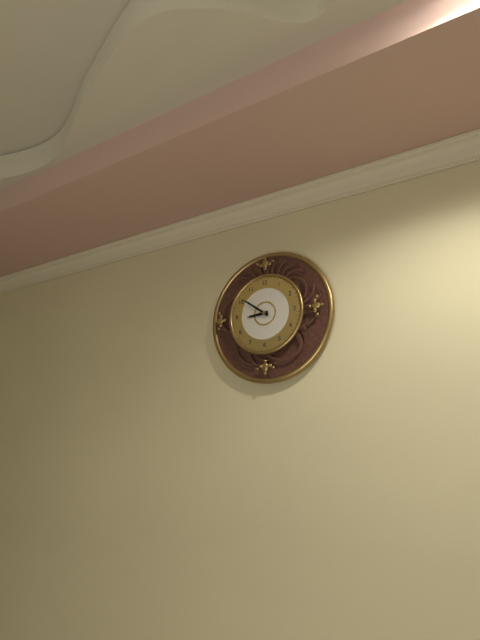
8h51
